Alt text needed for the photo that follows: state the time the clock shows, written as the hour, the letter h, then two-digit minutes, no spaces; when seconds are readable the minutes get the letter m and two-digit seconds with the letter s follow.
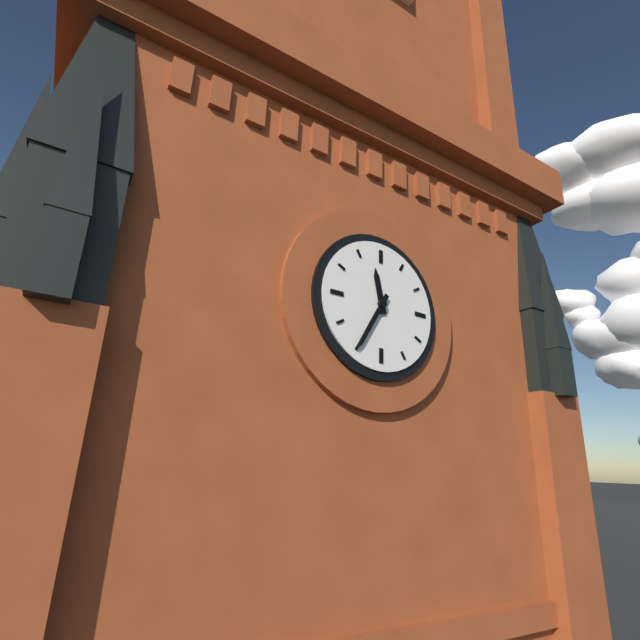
11h35
